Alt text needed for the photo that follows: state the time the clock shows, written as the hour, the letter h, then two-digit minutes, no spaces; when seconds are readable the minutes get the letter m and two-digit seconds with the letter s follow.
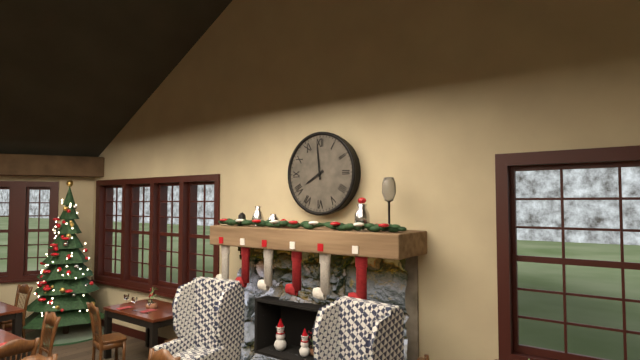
7h59
